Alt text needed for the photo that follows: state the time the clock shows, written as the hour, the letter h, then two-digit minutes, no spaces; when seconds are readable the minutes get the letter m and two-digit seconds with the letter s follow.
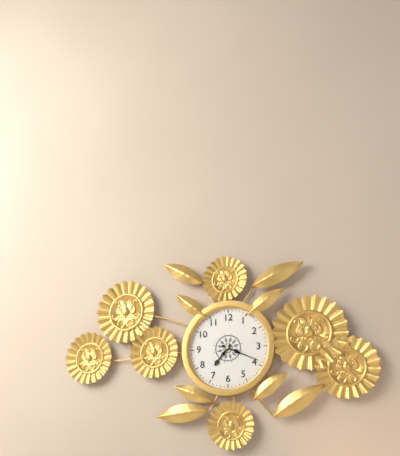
7h19
